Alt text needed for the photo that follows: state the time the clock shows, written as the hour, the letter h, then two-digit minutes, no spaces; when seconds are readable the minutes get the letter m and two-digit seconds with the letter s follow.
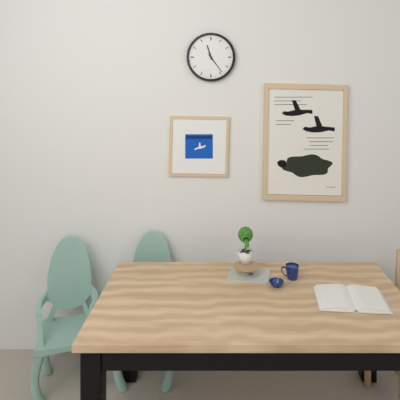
11h24
